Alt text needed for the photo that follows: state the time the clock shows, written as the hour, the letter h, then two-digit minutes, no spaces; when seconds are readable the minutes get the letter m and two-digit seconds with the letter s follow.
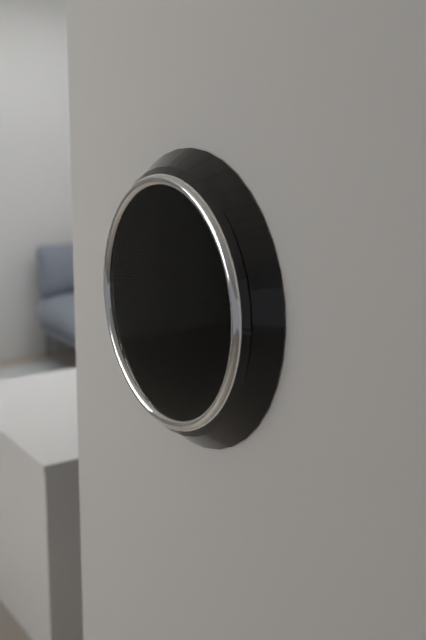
5h26
